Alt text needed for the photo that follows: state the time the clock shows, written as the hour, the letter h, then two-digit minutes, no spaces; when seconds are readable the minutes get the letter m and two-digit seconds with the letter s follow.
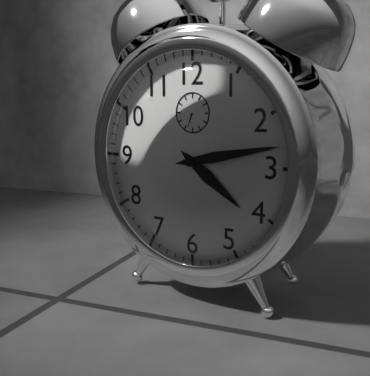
4h13
